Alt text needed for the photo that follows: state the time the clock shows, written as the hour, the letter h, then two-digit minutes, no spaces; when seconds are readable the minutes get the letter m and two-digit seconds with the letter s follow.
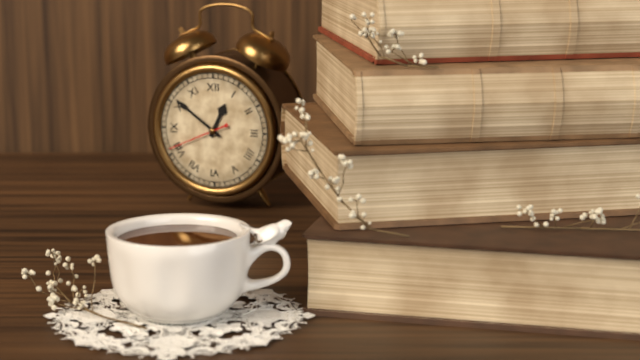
12h51m41s
